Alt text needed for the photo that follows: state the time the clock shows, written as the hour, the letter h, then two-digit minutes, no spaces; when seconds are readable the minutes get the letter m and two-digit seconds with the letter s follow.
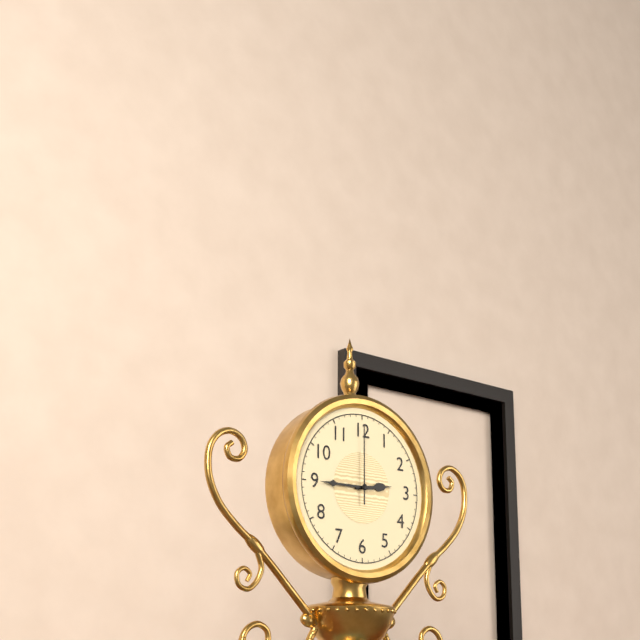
2h45m00s
